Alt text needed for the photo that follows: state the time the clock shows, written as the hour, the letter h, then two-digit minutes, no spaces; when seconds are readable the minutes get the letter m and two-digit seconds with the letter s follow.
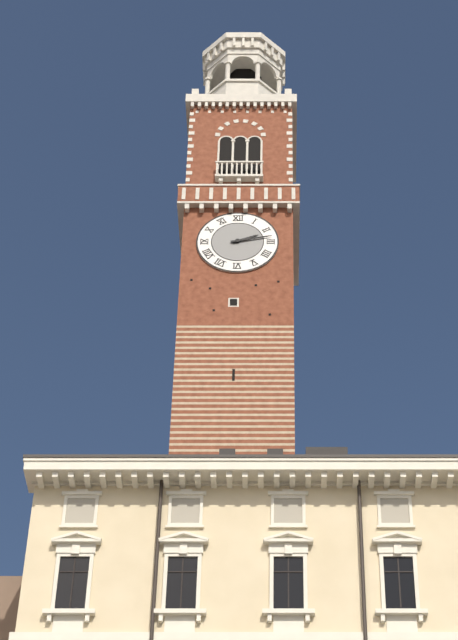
2h13
